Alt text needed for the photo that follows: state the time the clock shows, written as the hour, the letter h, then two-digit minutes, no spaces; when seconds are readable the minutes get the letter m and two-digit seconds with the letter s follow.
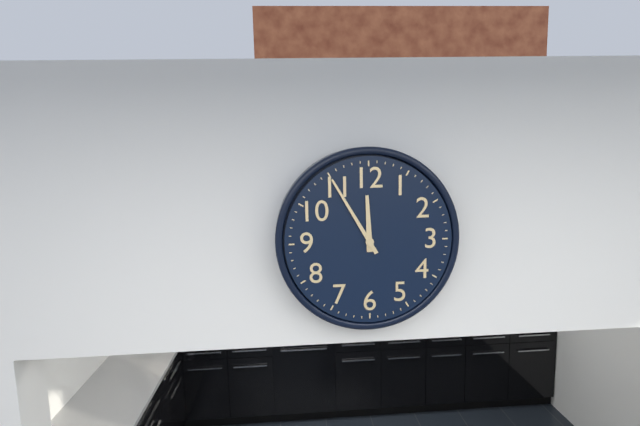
11h55
